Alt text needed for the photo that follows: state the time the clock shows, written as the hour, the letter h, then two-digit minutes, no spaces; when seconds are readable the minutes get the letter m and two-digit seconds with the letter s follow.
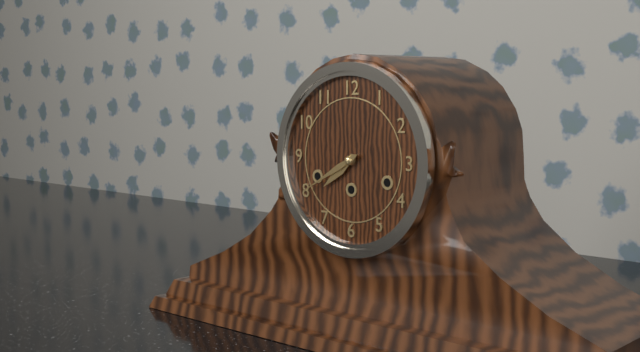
7h40
